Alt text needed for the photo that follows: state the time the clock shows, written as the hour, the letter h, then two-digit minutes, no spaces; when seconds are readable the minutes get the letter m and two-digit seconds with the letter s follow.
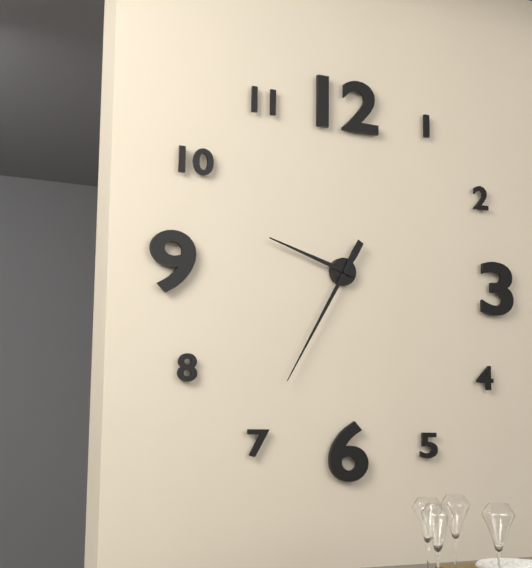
9h35
